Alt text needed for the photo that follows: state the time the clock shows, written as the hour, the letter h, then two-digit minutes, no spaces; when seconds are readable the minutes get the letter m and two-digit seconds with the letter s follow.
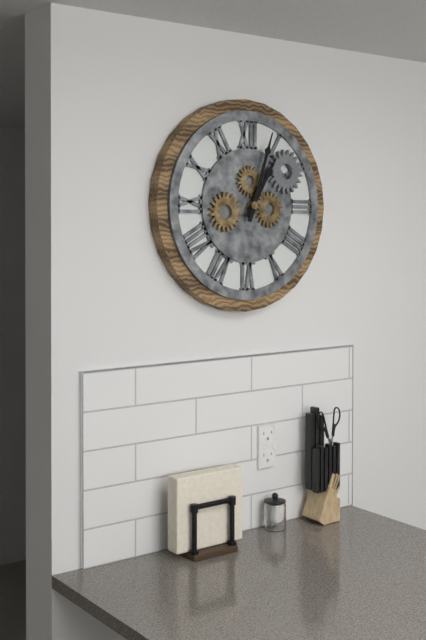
1h03
